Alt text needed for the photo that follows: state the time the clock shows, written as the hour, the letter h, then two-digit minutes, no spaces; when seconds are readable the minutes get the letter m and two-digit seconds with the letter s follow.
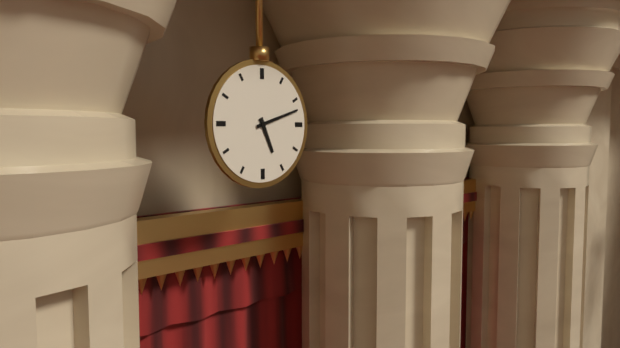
5h12
